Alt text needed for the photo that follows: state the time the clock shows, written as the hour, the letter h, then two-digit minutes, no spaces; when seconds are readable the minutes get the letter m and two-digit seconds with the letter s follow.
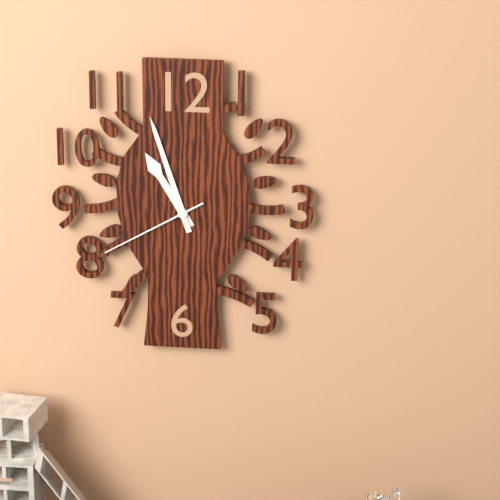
10h57m40s
